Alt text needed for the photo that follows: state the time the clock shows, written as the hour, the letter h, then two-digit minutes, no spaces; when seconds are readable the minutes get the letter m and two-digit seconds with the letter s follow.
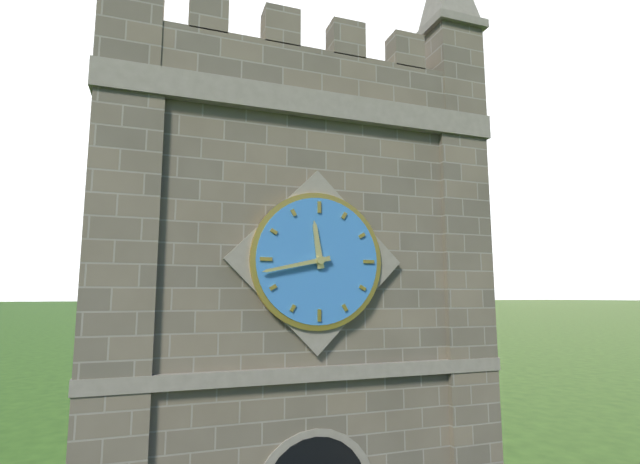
11h43
